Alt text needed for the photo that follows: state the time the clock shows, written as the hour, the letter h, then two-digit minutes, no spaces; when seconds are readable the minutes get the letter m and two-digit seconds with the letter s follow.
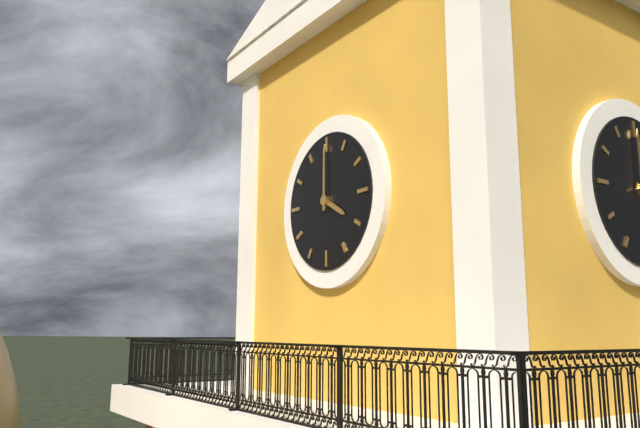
4h00
